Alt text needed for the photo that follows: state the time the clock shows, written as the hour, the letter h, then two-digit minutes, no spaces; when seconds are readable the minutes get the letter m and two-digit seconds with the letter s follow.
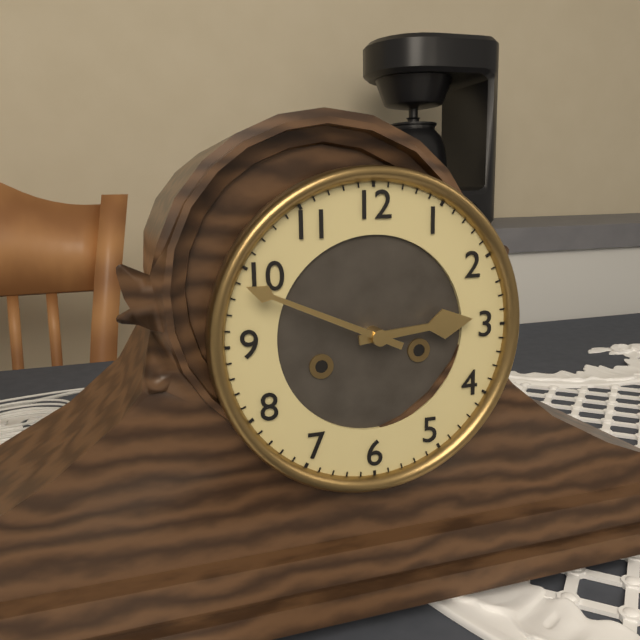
2h49
